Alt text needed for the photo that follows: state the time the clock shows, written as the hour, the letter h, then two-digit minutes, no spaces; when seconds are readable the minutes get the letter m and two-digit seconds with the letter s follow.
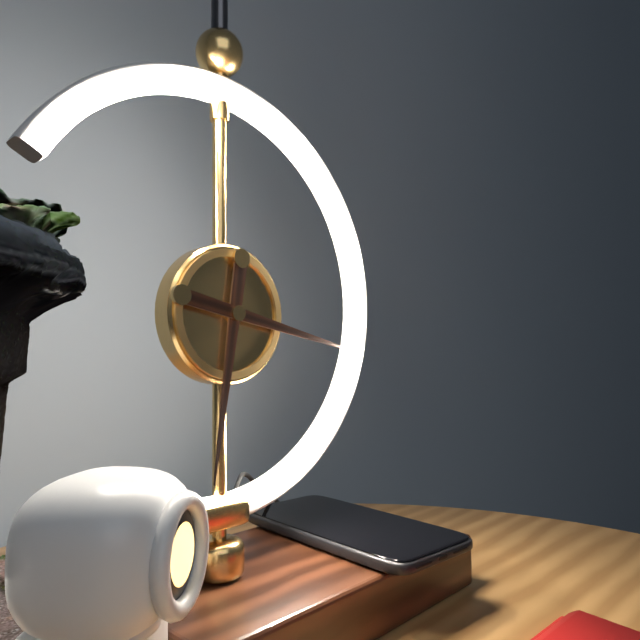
6h17
